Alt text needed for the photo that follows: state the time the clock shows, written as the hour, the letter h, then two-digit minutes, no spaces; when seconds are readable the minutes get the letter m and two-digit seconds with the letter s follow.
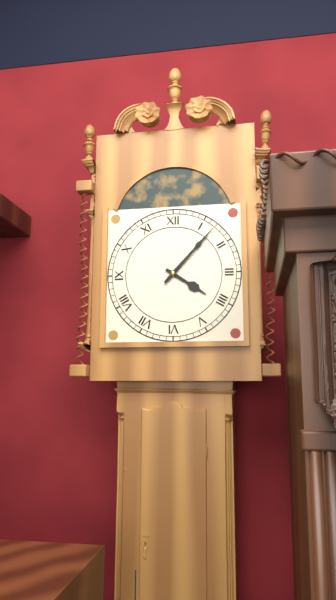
4h07
